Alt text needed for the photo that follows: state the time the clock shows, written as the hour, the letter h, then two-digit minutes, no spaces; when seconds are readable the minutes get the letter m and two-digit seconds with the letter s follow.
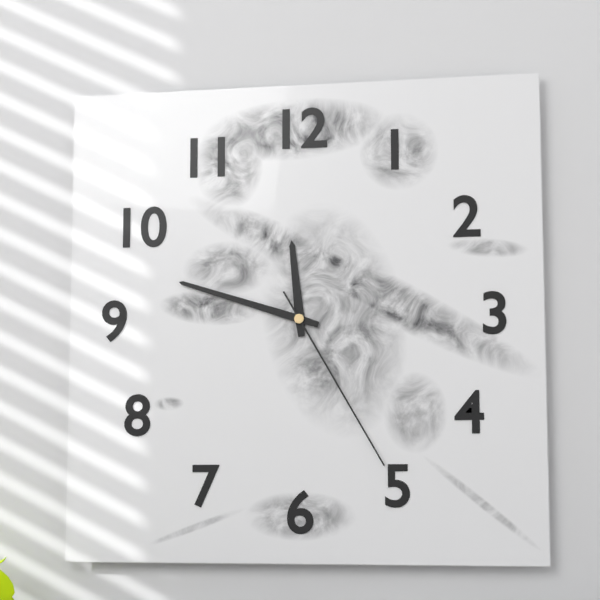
11h48m25s
